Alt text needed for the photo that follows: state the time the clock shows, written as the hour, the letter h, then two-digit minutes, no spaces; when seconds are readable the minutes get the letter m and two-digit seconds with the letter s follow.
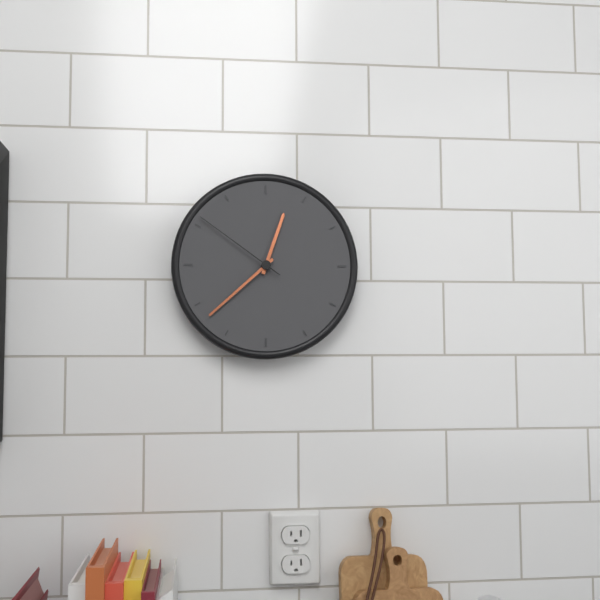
12h38m51s
